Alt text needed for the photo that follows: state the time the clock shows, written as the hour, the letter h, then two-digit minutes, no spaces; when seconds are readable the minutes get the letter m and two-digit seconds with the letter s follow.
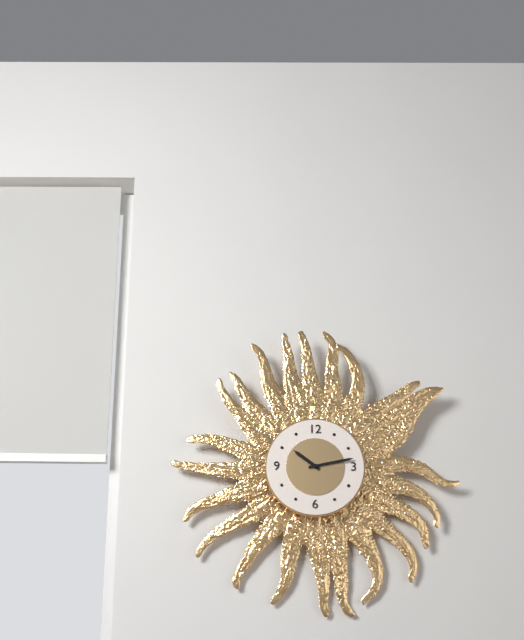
10h13
